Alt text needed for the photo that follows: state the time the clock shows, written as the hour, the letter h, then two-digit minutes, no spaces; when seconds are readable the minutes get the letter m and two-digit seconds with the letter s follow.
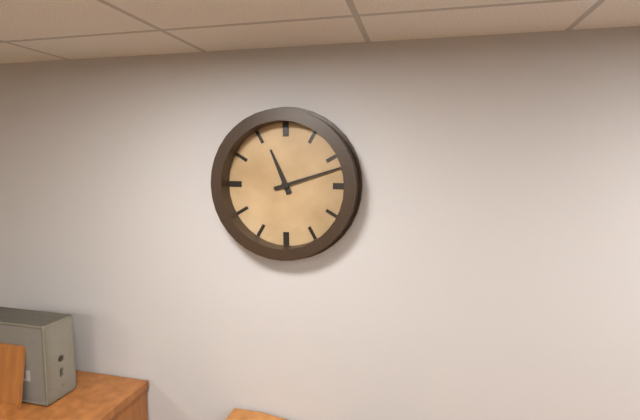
11h12
